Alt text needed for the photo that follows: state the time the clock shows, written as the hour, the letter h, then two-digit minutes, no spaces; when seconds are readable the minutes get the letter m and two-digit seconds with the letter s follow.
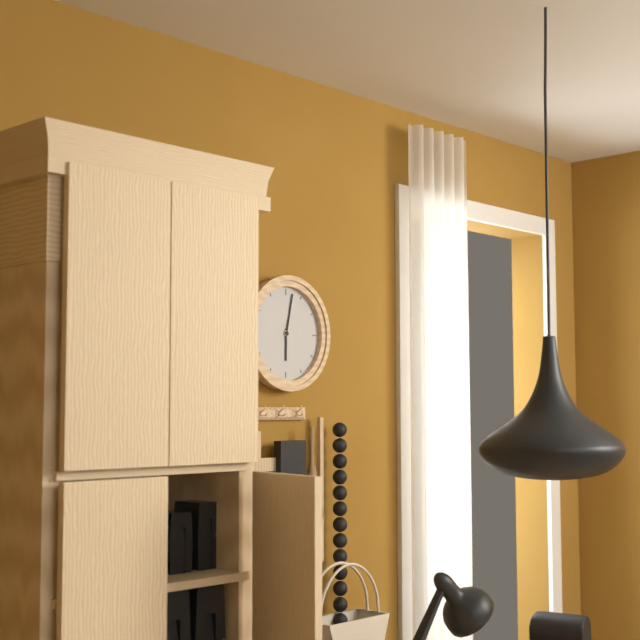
6h02
